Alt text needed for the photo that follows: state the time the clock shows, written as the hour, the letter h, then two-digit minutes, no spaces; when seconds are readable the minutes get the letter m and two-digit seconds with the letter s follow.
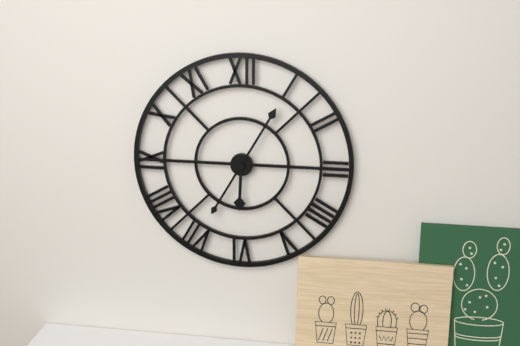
6h05
